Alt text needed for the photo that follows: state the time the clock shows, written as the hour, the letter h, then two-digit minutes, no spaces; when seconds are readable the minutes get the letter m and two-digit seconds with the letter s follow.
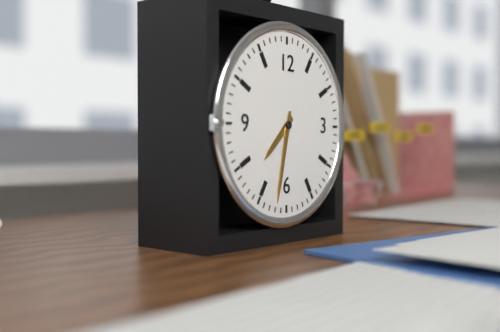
7h32
